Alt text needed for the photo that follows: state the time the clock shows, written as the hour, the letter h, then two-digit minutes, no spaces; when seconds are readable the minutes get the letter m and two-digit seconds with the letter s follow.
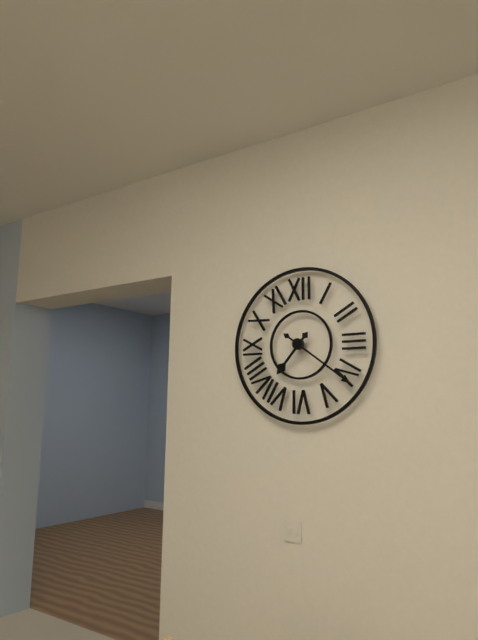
7h21
